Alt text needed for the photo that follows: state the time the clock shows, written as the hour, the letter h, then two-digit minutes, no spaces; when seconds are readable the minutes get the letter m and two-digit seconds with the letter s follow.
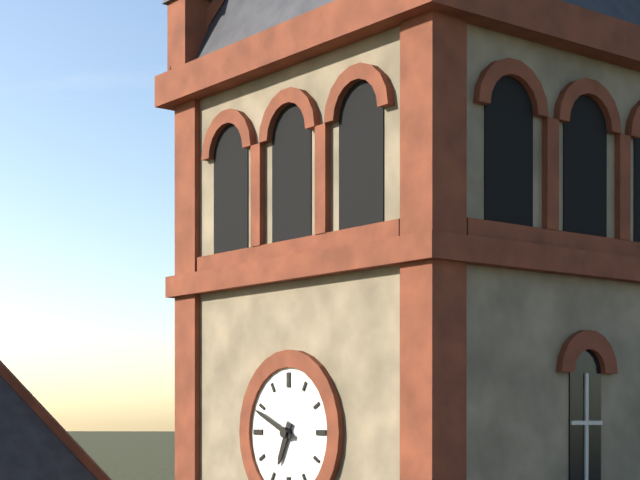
6h49
